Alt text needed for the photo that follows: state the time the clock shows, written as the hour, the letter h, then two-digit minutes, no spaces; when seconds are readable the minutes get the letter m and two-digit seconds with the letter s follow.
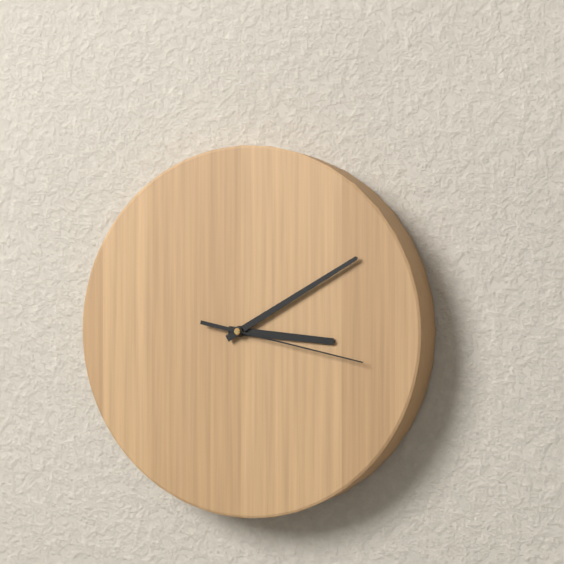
3h10m17s
